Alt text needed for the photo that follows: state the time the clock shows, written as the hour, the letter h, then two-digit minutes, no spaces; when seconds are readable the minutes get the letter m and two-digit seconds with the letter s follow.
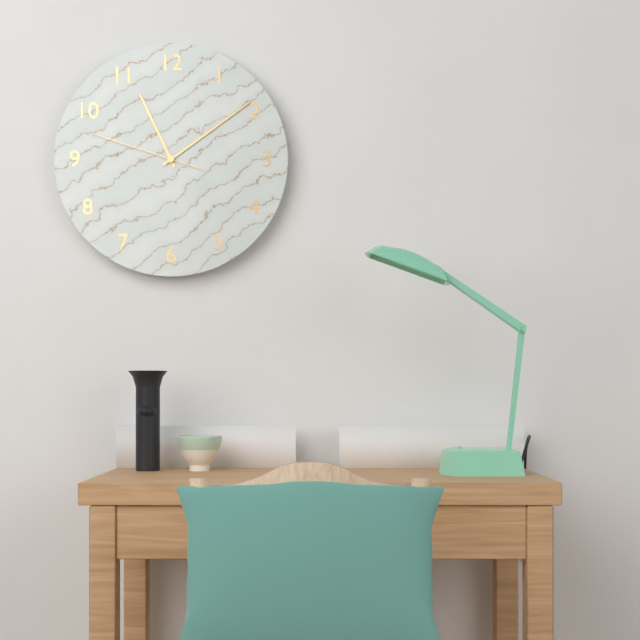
11h09m48s
